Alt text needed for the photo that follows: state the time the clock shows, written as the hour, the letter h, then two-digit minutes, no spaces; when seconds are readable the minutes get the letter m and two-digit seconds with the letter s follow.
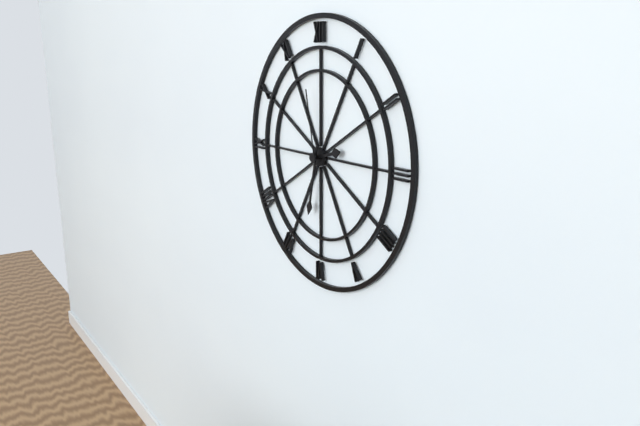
2h32m58s
